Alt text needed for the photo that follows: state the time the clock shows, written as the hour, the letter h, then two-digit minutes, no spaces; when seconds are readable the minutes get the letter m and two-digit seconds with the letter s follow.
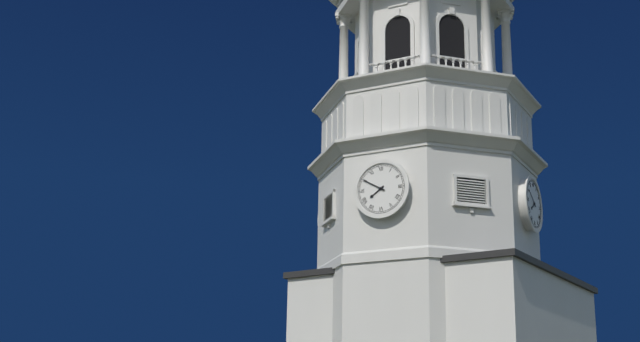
7h50
